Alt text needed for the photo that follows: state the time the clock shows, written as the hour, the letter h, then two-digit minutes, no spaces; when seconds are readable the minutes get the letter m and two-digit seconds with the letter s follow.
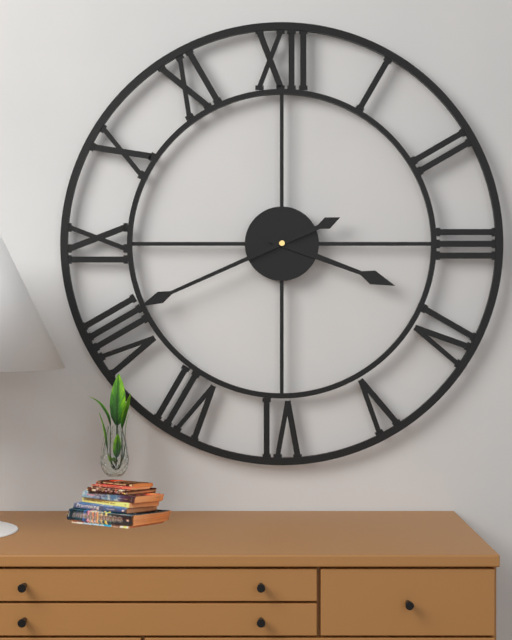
3h41
